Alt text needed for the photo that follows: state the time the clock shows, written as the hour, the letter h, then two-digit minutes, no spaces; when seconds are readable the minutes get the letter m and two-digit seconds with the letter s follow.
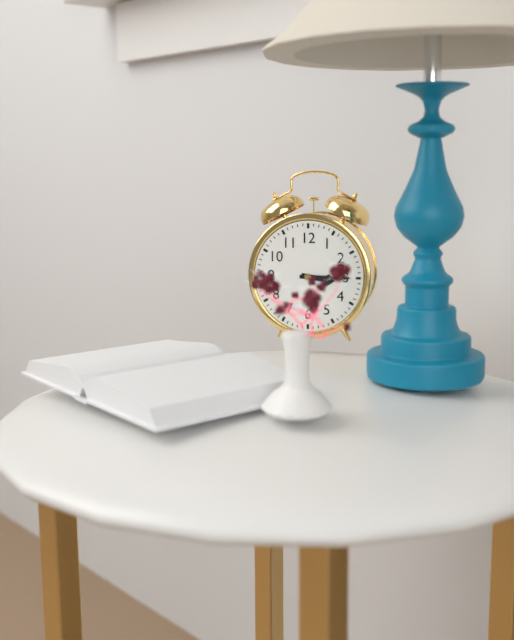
3h15
